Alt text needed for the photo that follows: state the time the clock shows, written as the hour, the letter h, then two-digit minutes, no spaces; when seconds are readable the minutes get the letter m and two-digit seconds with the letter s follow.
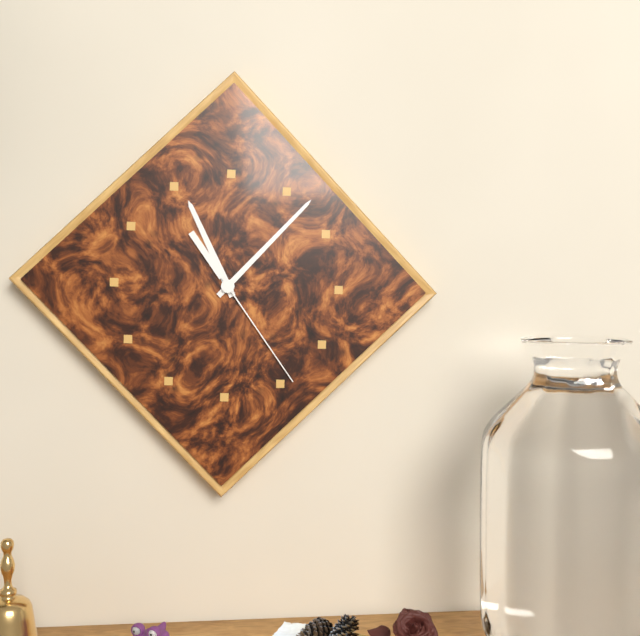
11h07m24s
